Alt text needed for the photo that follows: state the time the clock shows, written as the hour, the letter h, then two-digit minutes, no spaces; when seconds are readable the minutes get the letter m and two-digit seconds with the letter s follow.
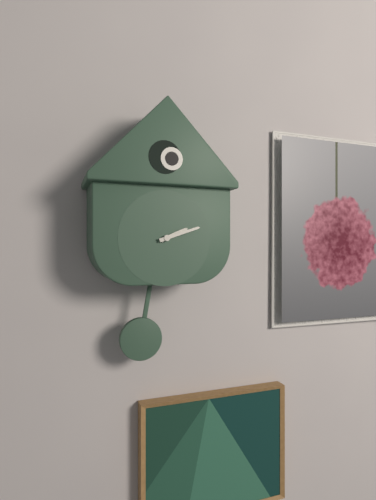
2h12
